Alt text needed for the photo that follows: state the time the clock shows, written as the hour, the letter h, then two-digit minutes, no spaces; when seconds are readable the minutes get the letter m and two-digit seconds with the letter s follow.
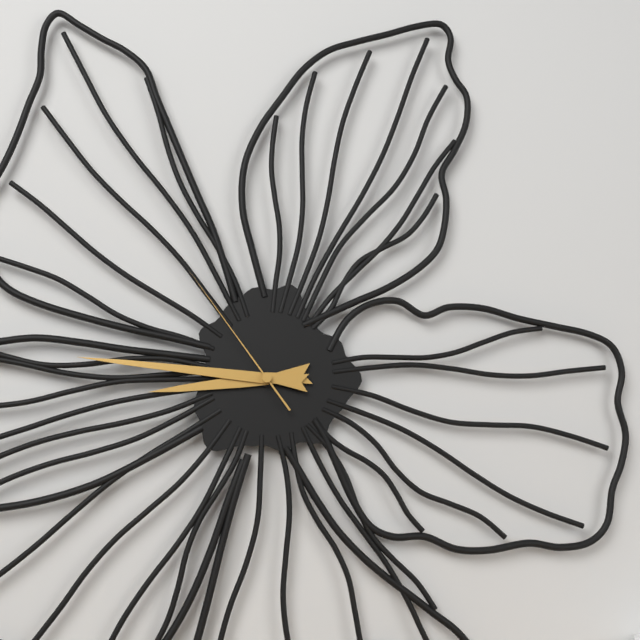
8h46m54s
